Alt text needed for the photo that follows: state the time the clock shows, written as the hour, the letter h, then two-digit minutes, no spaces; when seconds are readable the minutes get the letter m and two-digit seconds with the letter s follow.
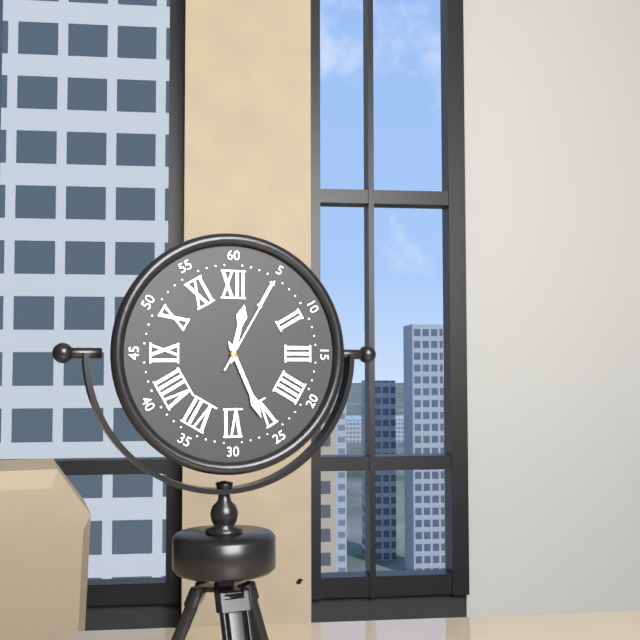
12h26m05s
